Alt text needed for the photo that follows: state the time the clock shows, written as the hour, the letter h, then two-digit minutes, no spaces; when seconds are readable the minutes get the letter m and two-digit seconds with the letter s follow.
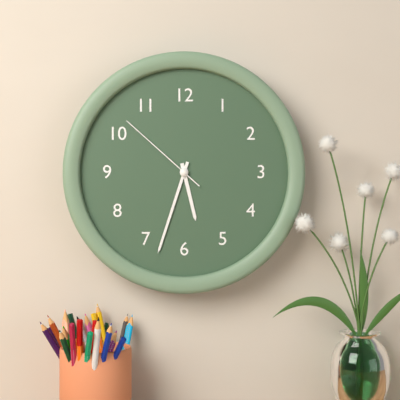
5h33m52s
